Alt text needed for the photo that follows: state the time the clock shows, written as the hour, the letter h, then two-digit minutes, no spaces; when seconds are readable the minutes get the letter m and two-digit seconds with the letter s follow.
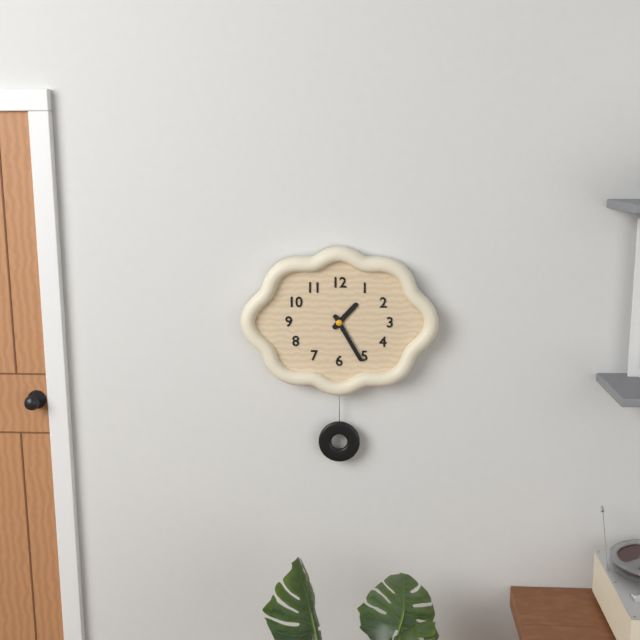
1h25
